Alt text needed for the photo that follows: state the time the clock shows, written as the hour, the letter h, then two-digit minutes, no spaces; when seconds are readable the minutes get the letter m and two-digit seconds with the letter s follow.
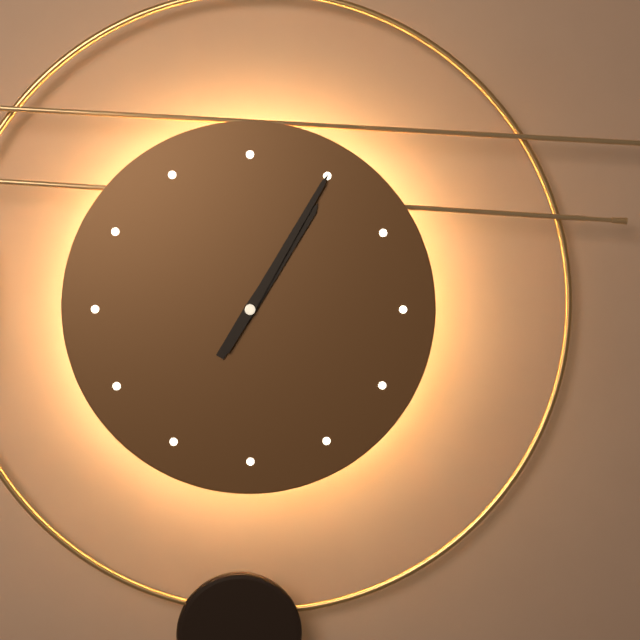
1h05
